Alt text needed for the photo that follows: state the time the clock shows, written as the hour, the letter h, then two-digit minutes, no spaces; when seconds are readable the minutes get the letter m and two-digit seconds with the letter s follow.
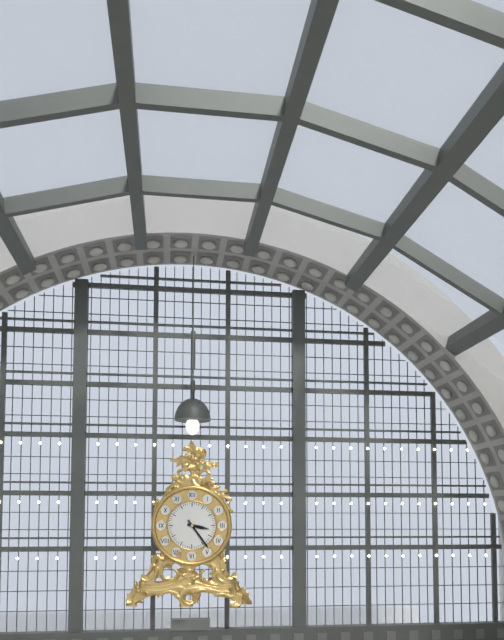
3h24
